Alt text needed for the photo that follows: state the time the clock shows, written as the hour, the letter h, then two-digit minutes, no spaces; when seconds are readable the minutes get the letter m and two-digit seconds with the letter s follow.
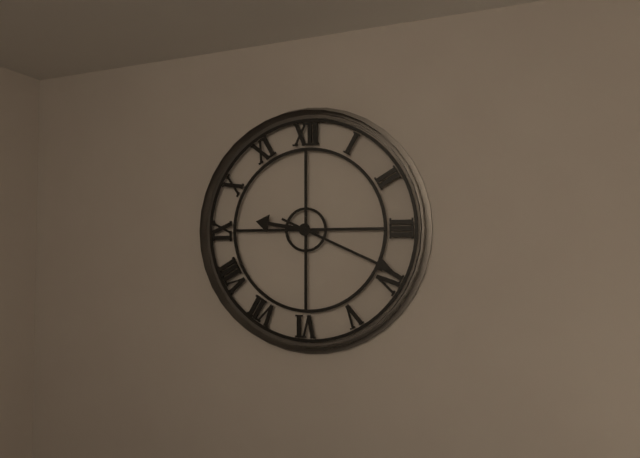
9h19
